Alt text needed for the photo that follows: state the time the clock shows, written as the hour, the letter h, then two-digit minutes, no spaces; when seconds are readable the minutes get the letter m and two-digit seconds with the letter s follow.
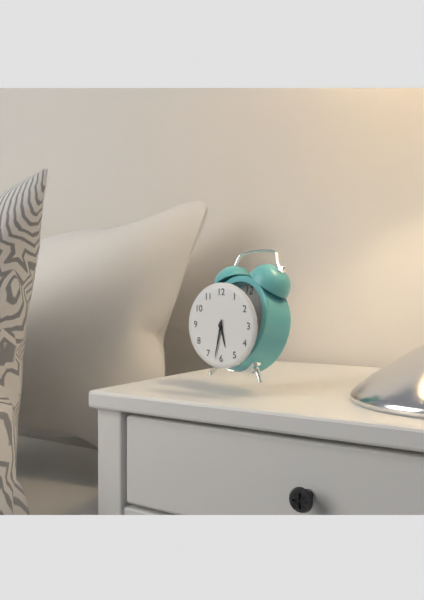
5h32
